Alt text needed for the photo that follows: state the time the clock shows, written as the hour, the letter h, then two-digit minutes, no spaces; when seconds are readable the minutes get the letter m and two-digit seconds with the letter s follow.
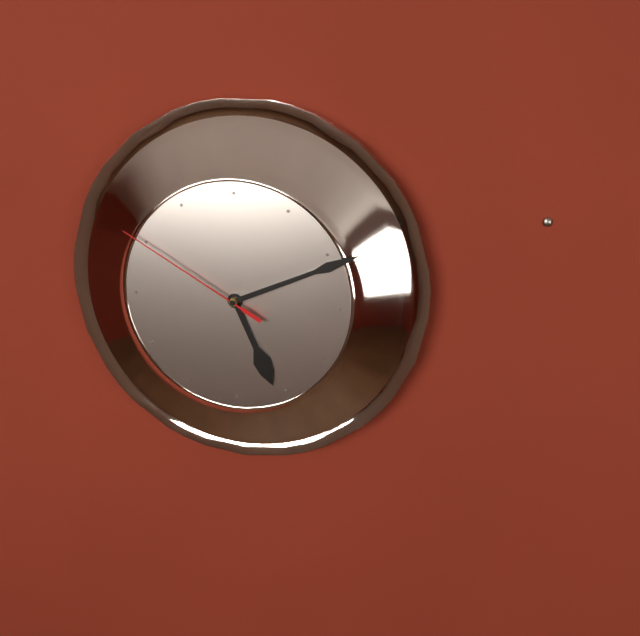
5h11m50s
